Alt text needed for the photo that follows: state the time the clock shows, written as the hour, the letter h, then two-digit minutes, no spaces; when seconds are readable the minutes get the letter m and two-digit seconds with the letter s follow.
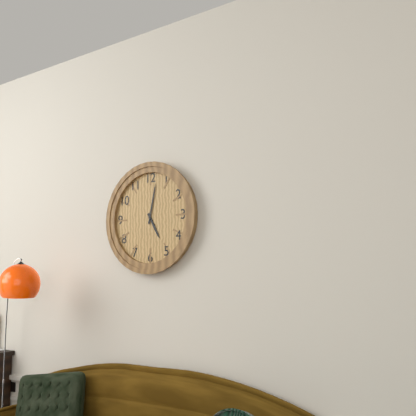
5h02
